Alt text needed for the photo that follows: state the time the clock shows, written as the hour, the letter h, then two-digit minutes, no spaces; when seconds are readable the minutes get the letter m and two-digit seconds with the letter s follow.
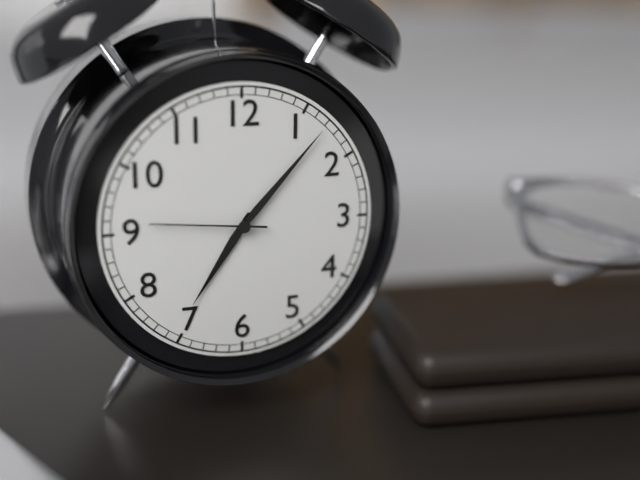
7h07m46s
